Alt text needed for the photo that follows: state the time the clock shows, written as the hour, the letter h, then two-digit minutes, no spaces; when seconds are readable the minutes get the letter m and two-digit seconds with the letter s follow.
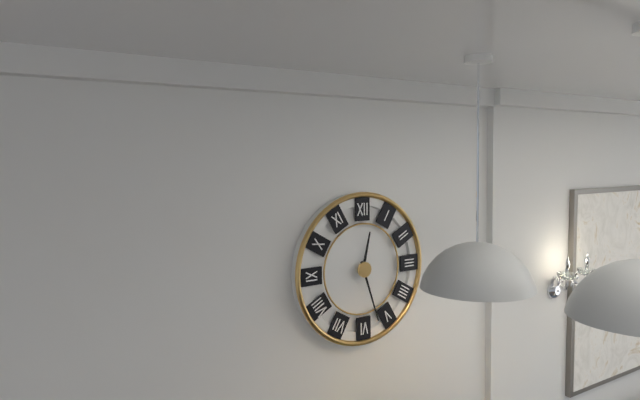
12h27
